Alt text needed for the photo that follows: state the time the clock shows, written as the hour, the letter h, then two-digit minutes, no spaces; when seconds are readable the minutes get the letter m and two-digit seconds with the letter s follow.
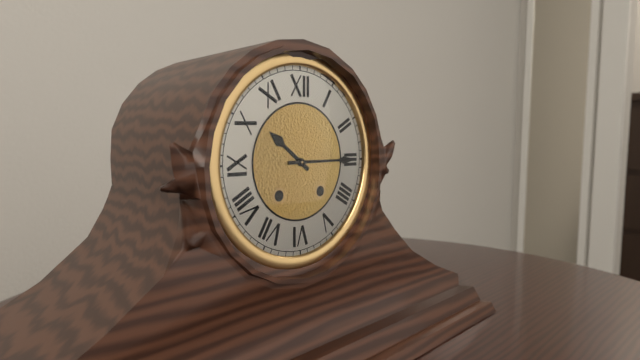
10h15
